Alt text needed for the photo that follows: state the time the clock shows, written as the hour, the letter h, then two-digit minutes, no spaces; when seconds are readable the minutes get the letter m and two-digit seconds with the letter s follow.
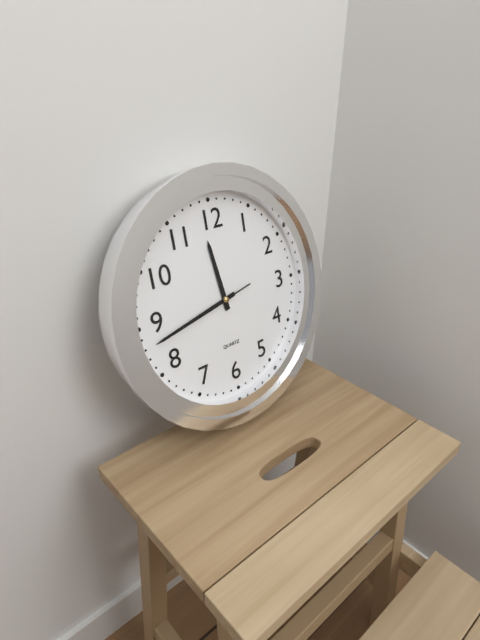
11h43m43s
